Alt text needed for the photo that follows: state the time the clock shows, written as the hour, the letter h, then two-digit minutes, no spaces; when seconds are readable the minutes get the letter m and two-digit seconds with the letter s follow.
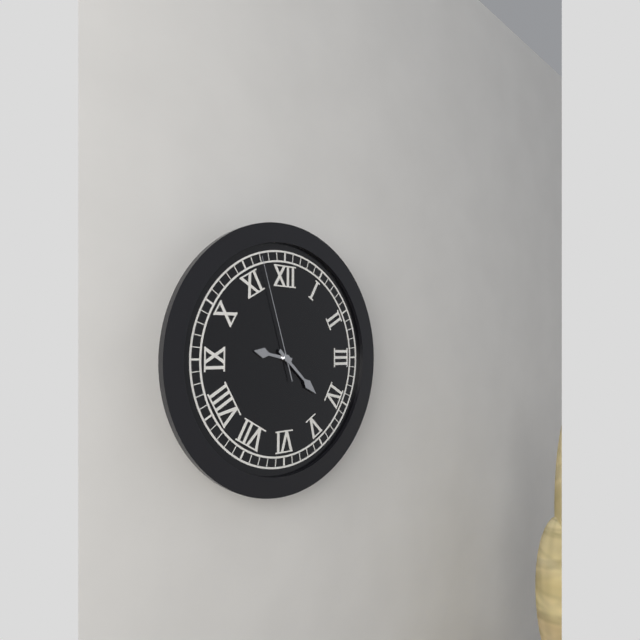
9h22m57s
